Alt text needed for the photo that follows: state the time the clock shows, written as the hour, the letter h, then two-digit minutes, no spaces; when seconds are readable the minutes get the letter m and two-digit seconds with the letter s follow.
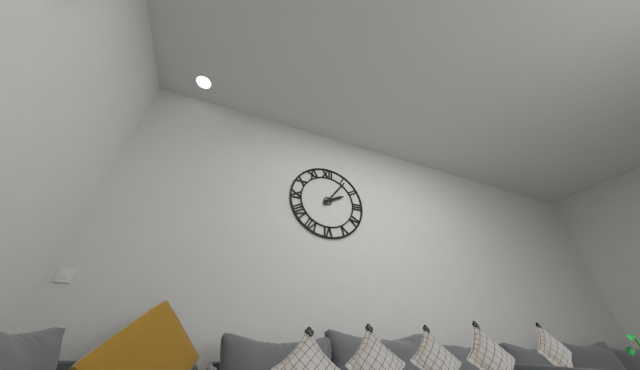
2h06
